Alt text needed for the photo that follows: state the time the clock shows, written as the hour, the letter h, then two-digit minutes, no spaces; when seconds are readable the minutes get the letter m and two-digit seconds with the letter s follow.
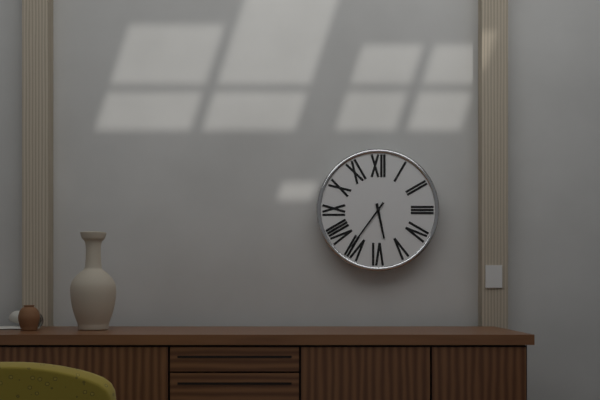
5h36
